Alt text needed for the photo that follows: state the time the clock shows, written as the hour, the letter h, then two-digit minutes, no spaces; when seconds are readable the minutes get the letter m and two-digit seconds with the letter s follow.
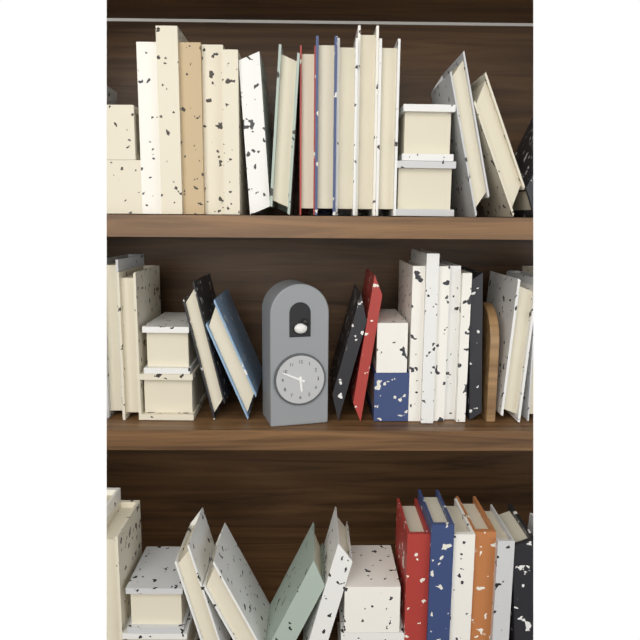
5h49
